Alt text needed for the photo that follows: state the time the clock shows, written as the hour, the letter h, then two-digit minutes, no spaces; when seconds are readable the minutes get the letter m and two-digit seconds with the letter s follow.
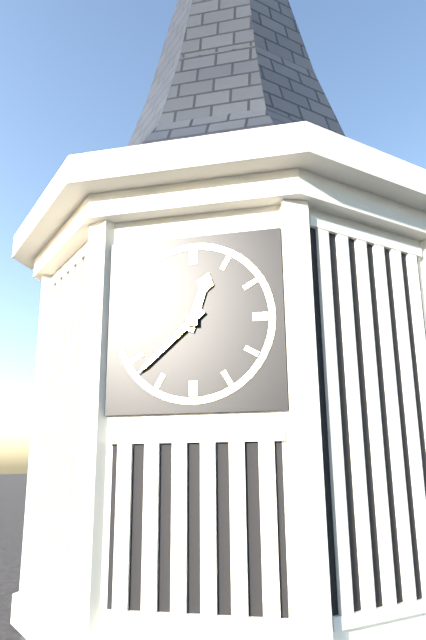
12h38
